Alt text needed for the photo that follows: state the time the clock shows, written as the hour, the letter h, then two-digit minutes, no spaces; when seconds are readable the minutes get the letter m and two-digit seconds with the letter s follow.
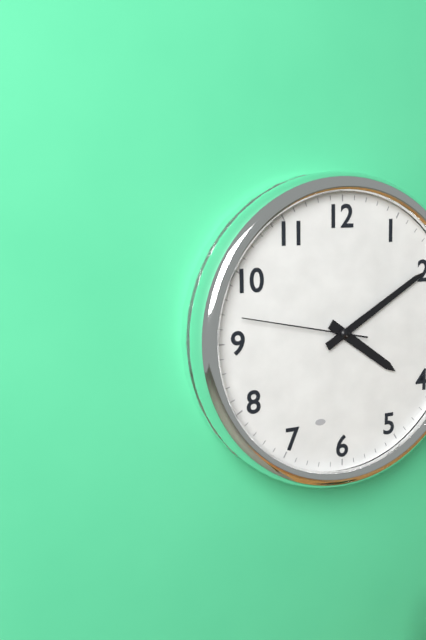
4h10m47s
